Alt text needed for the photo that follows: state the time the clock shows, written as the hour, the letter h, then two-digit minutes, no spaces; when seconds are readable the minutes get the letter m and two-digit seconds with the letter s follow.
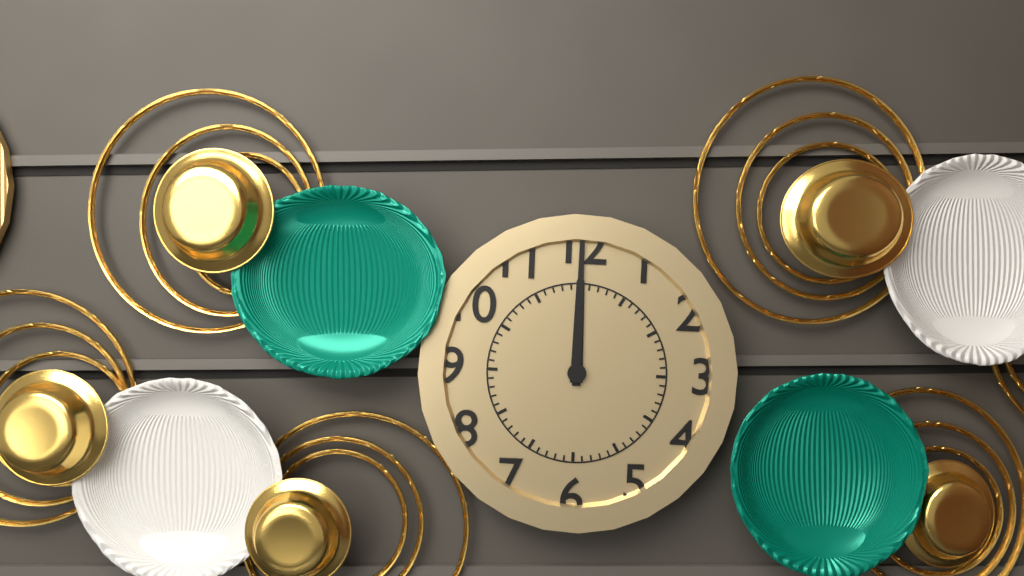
12h00
